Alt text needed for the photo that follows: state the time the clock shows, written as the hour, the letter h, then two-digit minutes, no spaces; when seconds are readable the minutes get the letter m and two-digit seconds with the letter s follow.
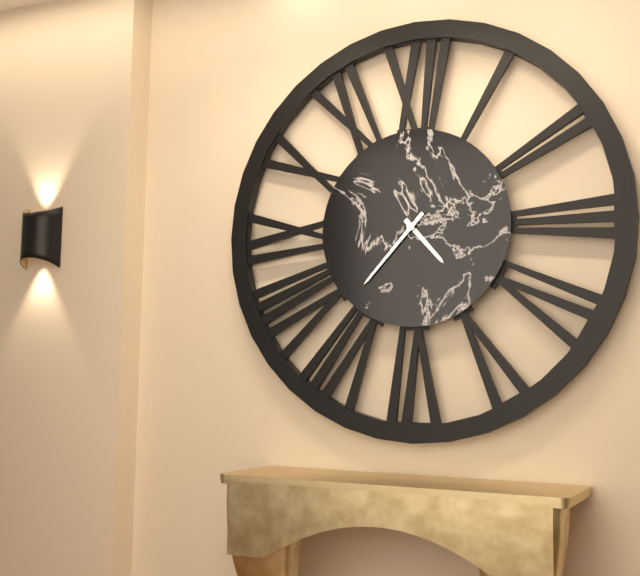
4h37
